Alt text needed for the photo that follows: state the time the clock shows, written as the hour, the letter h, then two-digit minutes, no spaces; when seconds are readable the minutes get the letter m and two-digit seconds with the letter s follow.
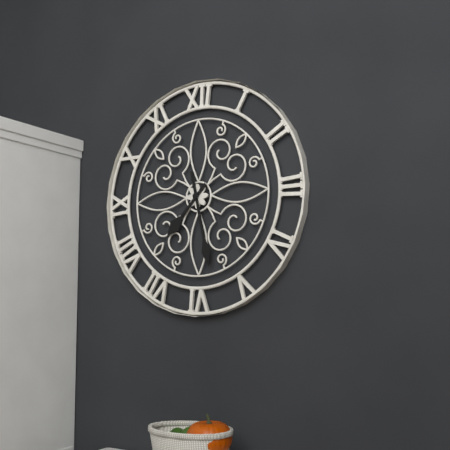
7h28
